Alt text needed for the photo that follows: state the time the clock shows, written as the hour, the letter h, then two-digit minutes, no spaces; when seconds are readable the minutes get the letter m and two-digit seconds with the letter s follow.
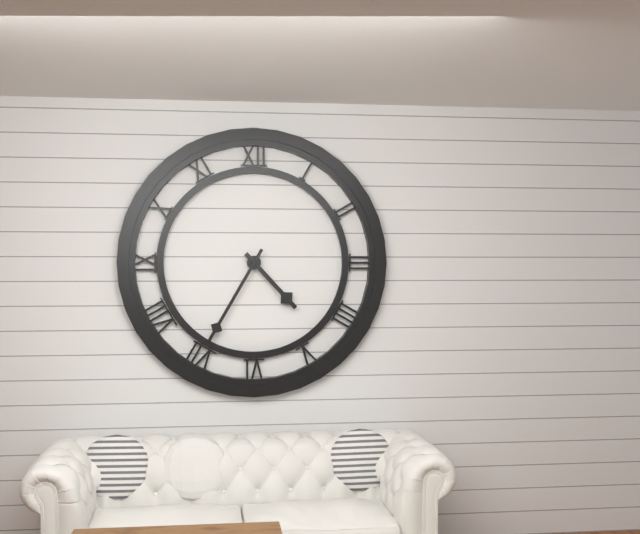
4h35
